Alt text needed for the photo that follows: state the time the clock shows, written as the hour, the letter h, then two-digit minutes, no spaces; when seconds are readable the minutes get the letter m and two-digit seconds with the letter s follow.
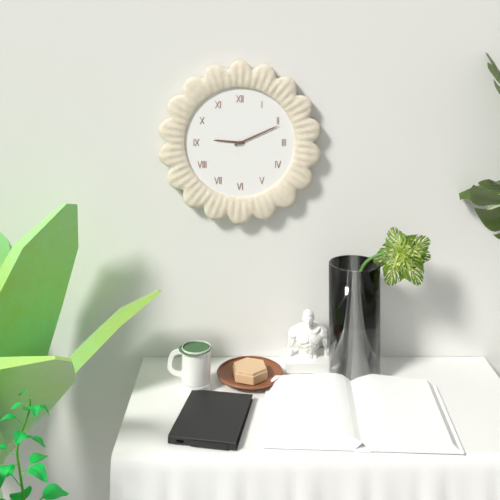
9h11
